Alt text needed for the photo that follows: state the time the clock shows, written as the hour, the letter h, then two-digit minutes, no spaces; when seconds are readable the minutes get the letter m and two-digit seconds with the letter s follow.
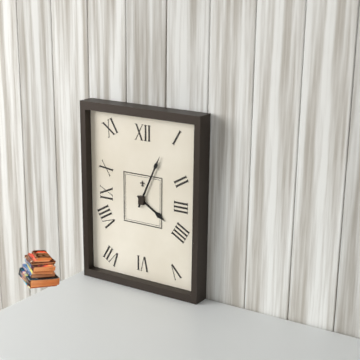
4h04
